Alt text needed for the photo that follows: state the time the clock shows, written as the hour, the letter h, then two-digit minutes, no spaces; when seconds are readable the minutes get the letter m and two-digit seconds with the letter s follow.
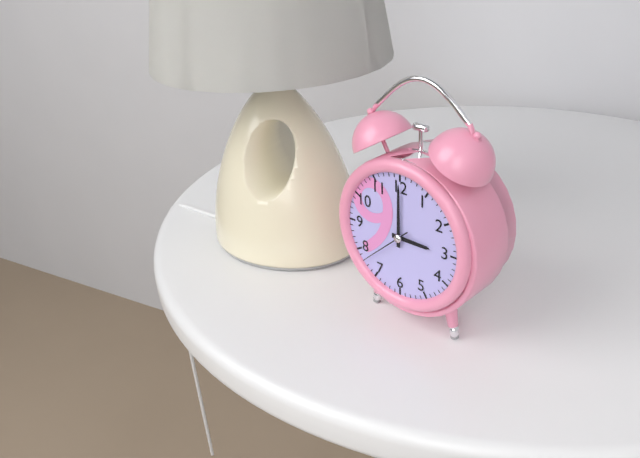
3h00m38s
